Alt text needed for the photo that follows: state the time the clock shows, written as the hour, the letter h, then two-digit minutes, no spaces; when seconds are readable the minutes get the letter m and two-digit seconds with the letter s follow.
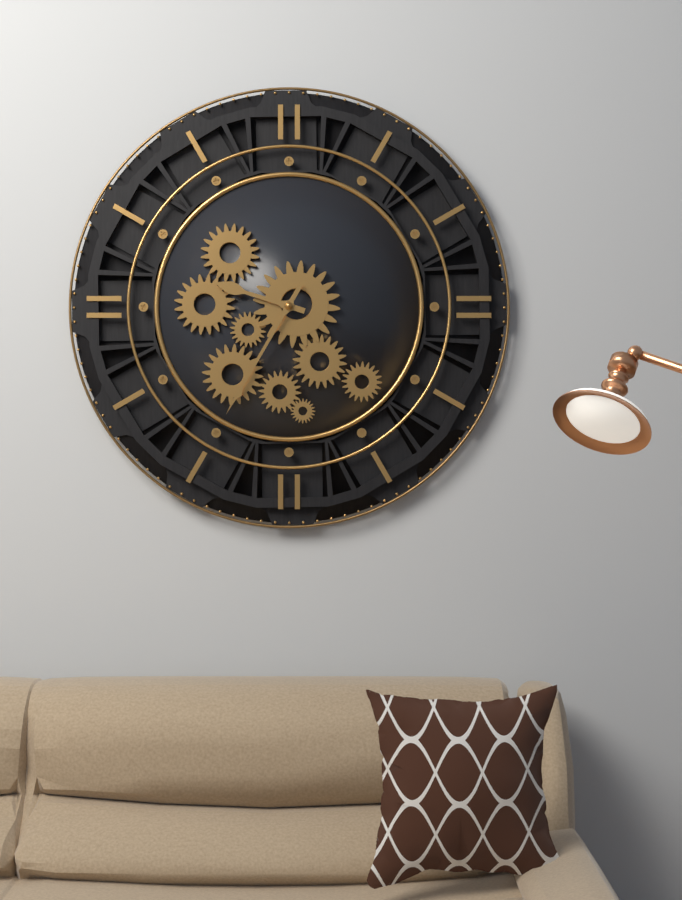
9h35
